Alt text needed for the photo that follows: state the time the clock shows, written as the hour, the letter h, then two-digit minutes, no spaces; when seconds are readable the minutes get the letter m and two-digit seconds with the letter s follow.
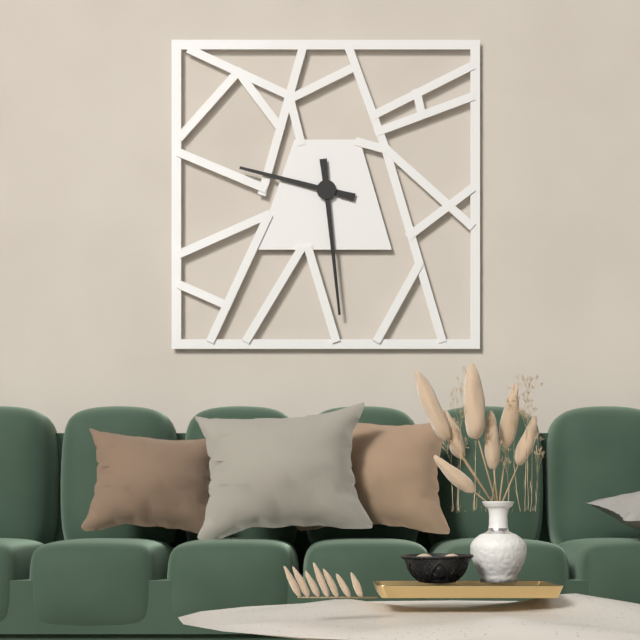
9h29
